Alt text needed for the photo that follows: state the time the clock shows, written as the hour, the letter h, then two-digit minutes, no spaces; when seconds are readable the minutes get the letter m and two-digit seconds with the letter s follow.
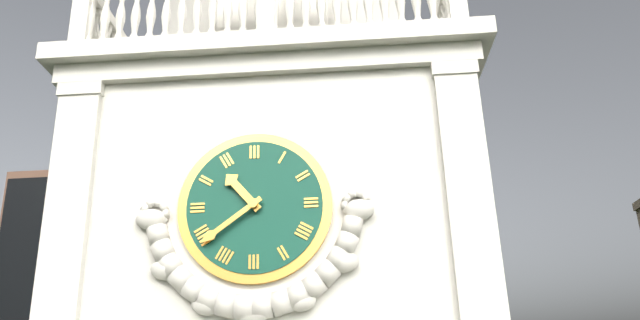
10h39
